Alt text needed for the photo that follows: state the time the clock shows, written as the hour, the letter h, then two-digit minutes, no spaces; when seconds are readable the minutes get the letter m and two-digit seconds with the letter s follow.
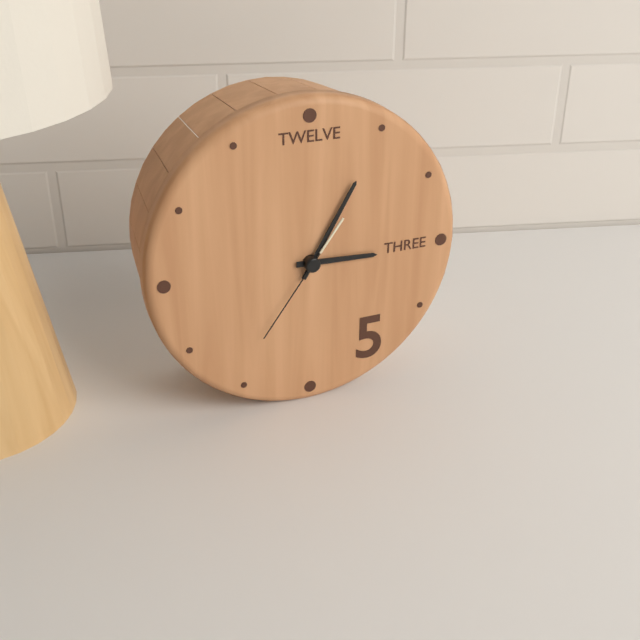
3h05m36s
